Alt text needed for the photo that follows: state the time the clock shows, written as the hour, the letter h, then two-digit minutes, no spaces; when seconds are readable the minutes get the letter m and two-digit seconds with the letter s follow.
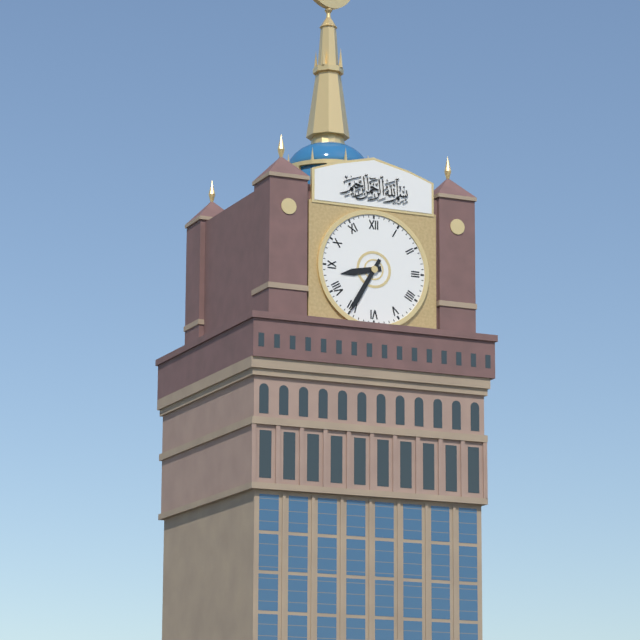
8h35
